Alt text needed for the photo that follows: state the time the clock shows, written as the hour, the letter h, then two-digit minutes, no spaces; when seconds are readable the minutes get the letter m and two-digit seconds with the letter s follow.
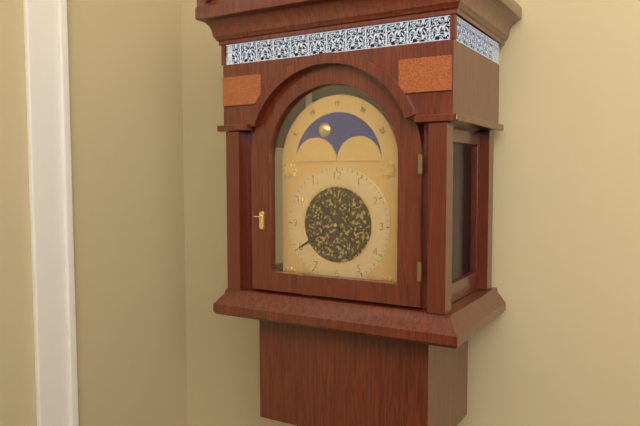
10h40
